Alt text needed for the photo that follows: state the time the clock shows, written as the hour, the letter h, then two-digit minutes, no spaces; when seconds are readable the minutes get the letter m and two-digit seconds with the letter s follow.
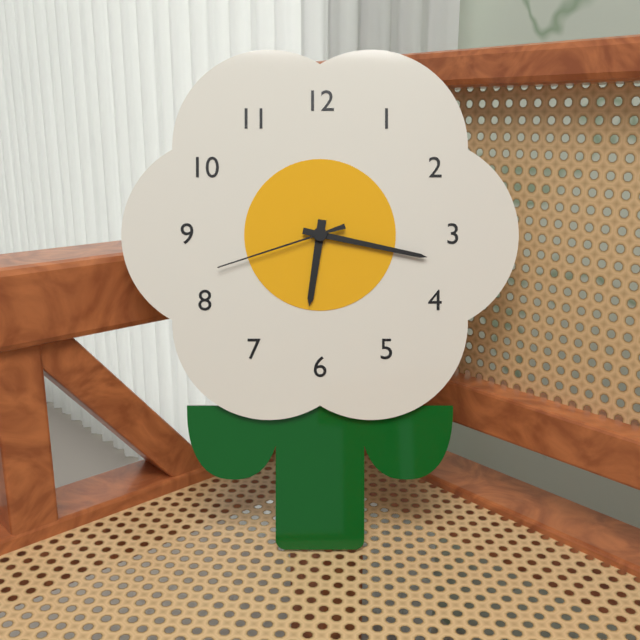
6h17m42s
